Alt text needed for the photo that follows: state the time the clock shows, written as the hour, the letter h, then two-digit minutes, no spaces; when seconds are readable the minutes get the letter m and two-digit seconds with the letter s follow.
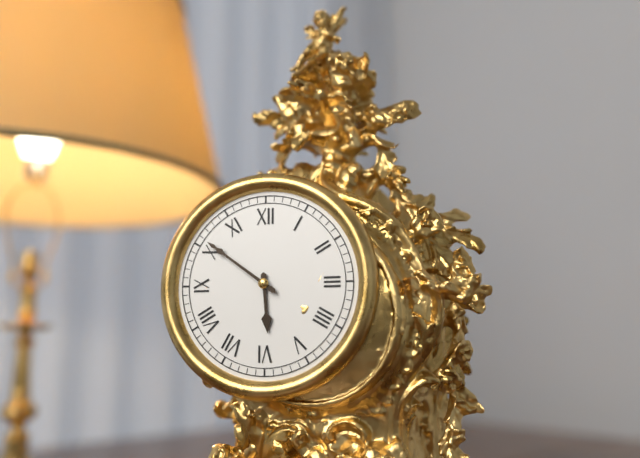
5h51
